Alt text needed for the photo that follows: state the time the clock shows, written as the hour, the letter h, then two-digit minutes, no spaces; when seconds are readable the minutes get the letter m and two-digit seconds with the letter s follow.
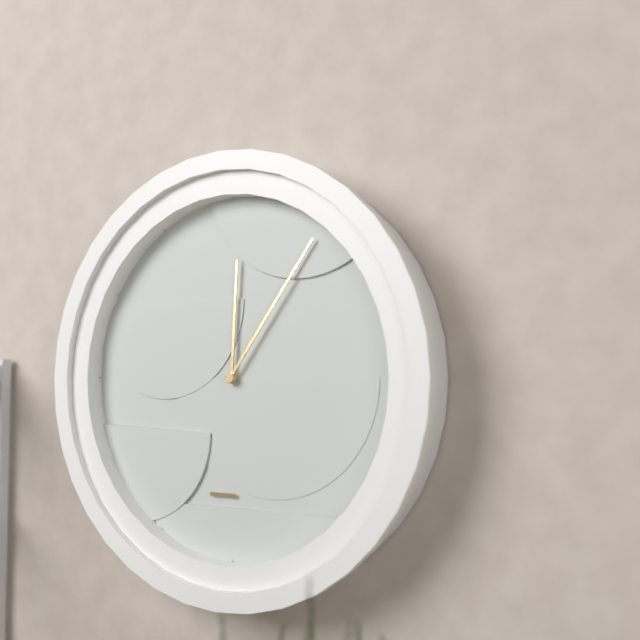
12h06
